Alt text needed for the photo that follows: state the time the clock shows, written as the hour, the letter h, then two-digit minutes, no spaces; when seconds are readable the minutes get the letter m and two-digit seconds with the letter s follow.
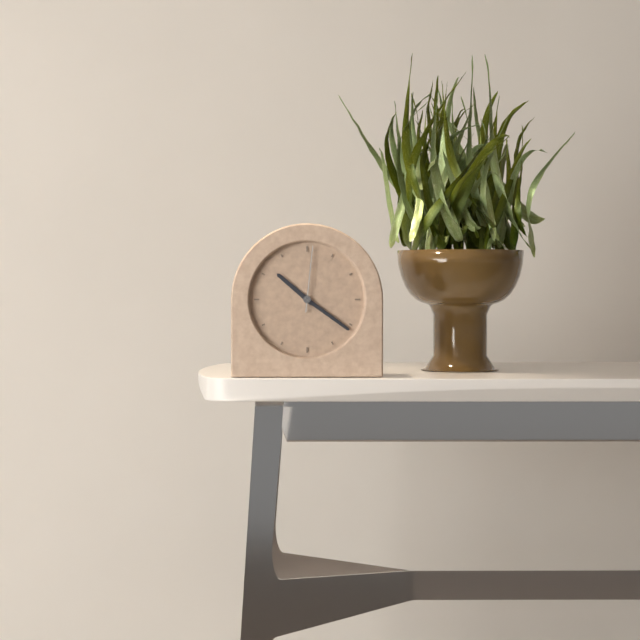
10h21m01s
